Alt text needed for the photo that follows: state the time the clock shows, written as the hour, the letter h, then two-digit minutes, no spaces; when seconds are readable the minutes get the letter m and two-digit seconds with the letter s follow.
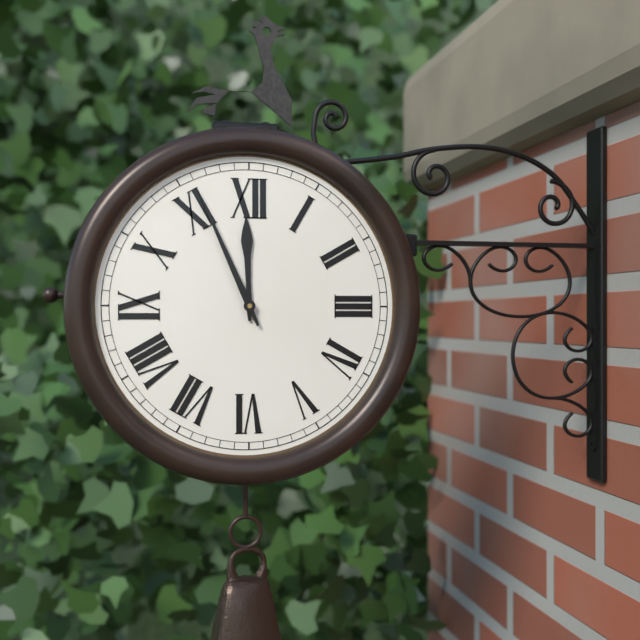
11h56
